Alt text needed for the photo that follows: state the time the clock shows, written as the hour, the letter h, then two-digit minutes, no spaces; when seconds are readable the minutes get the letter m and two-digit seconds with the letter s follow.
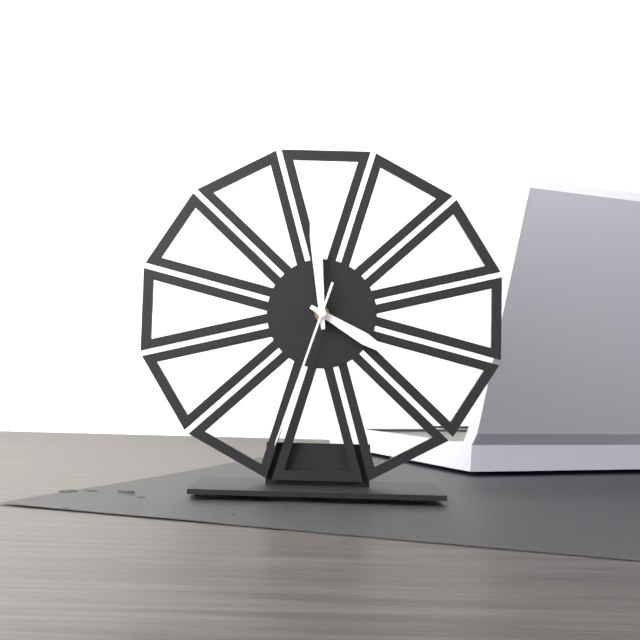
3h59m33s
